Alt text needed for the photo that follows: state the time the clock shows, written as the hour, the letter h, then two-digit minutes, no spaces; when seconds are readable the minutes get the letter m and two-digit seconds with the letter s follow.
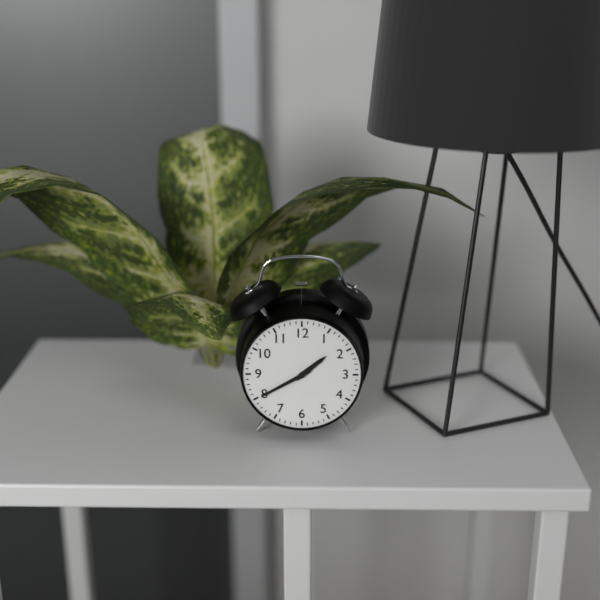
1h40
